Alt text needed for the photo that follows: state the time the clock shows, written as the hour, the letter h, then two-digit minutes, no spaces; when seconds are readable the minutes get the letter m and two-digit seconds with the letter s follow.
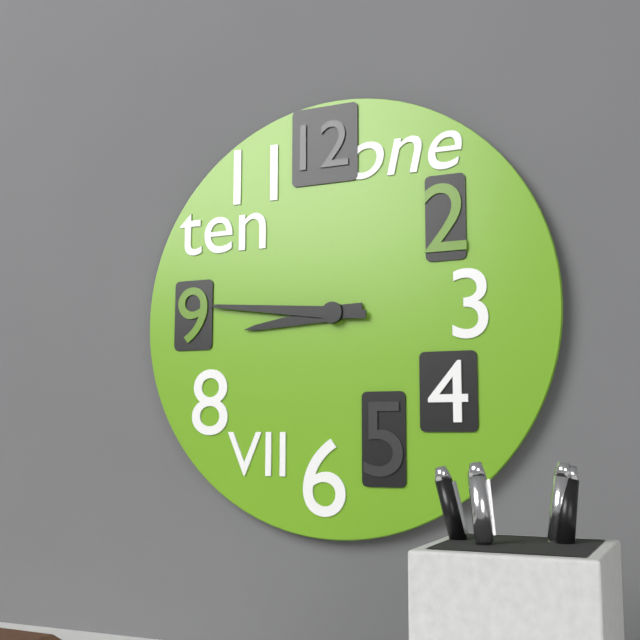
8h46
